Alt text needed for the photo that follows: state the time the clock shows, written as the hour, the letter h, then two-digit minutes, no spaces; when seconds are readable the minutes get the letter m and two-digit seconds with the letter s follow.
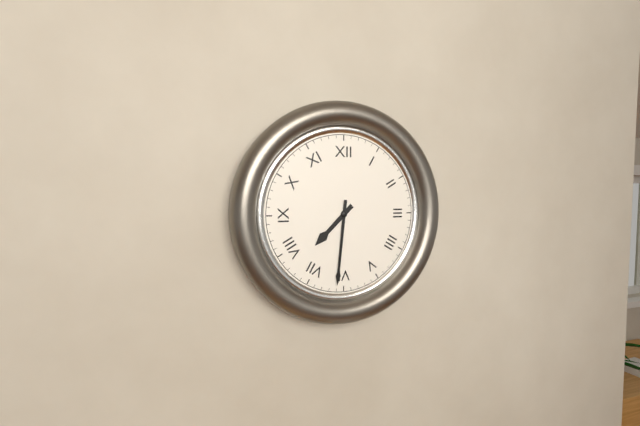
7h31
